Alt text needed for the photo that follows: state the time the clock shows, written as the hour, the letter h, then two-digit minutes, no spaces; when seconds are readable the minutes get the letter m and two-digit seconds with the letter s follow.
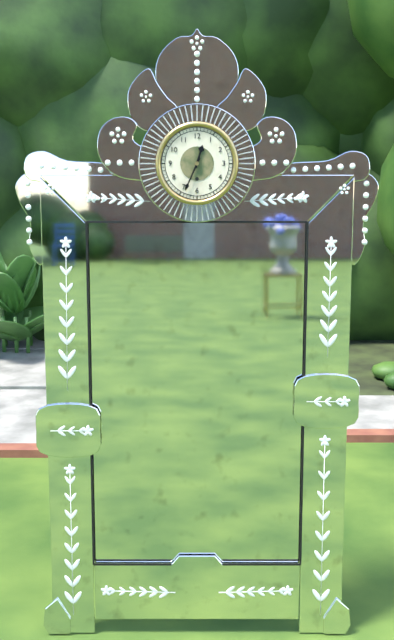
12h34
